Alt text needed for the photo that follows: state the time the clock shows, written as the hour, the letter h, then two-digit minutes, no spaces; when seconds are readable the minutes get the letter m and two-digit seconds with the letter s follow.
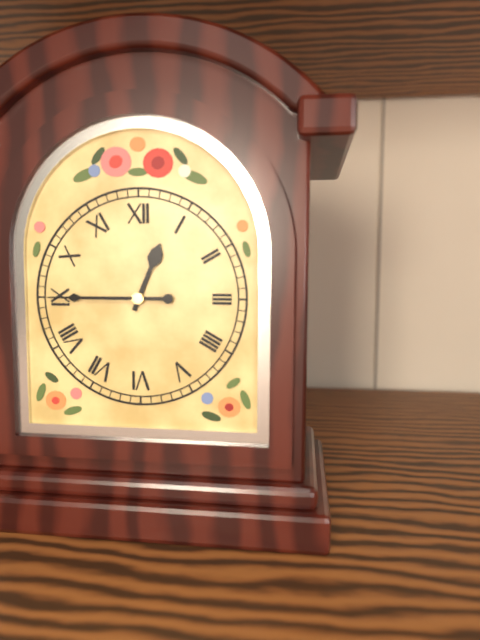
12h45
